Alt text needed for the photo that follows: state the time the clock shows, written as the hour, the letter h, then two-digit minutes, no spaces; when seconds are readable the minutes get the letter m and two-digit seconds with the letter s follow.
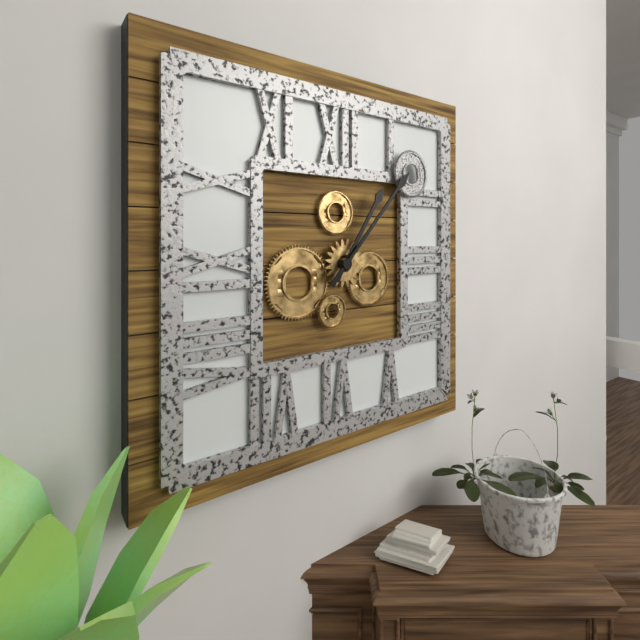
1h07
